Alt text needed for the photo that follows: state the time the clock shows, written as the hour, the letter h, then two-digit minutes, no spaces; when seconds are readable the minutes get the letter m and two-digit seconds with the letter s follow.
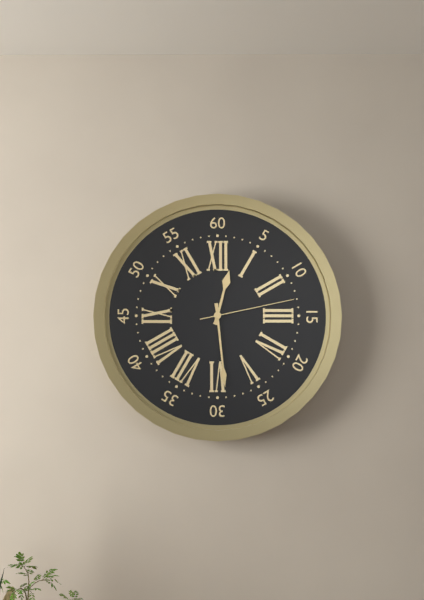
12h29m13s
